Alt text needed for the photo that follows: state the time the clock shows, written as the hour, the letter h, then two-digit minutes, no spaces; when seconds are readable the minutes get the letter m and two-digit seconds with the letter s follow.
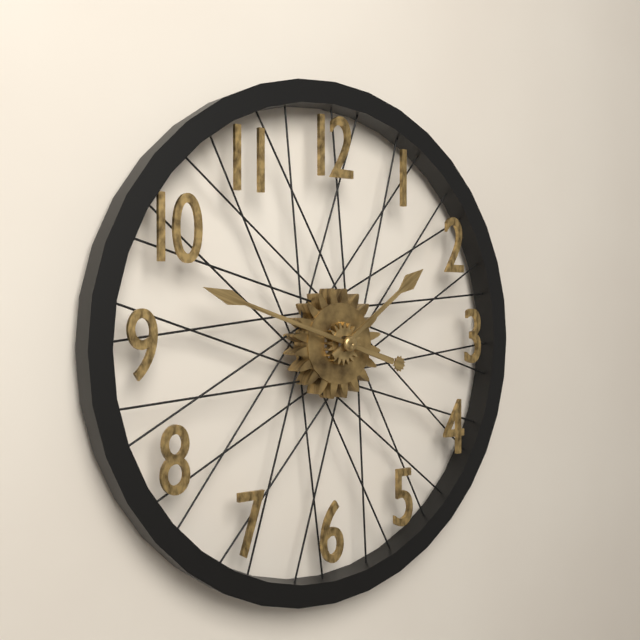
1h48
